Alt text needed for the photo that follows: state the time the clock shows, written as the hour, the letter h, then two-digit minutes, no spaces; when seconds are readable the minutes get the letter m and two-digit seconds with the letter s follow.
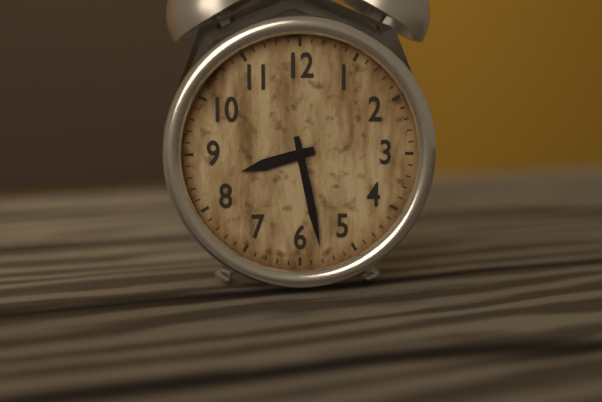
8h28
